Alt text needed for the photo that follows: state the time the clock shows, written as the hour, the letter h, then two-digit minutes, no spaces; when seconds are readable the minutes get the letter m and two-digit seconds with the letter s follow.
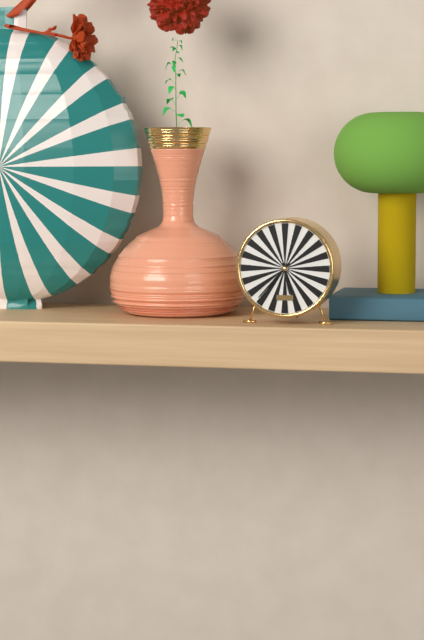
5h37
